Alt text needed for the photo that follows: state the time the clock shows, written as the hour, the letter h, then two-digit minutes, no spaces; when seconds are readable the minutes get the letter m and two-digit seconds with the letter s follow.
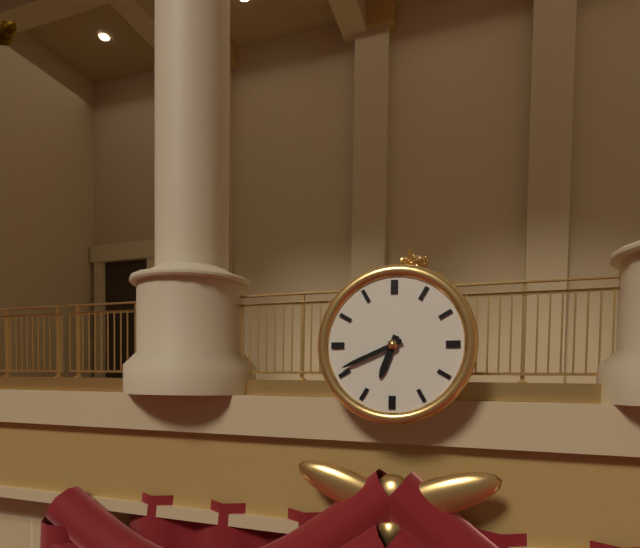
6h41
